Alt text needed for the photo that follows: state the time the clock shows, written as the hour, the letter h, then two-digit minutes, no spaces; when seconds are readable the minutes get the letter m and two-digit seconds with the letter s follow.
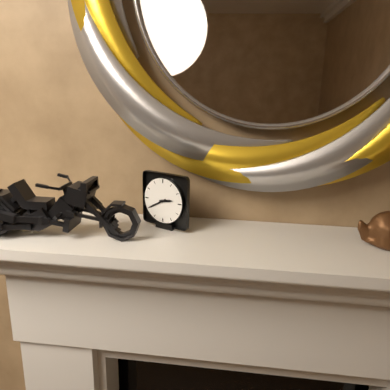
2h40
